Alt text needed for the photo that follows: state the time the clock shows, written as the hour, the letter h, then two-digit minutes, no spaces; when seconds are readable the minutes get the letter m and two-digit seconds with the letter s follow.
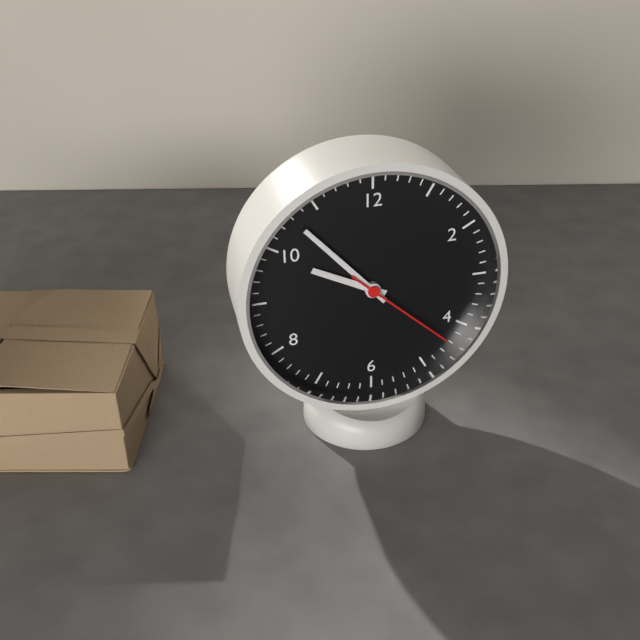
9h53m22s
